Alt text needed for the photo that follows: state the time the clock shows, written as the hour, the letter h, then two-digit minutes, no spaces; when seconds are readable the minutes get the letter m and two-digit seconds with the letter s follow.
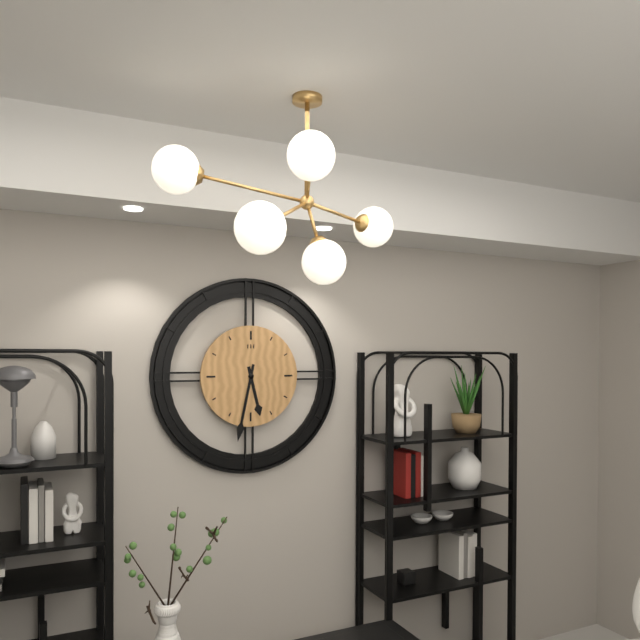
5h32
